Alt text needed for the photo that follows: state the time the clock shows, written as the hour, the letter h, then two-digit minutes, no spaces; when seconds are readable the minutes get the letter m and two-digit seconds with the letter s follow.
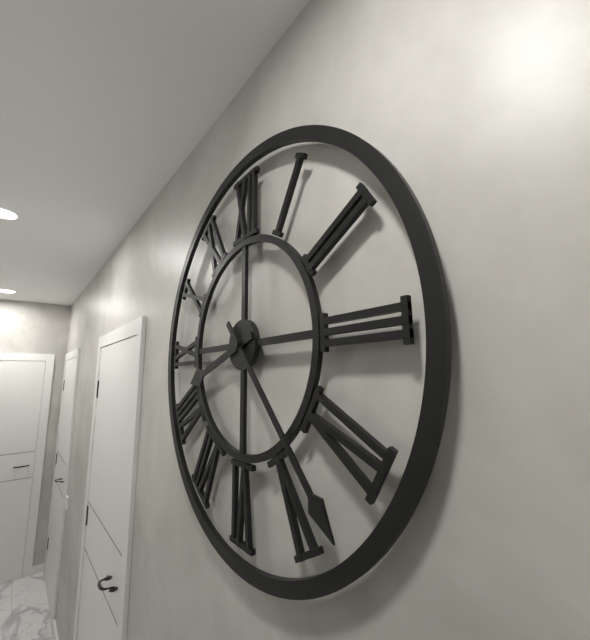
8h23
